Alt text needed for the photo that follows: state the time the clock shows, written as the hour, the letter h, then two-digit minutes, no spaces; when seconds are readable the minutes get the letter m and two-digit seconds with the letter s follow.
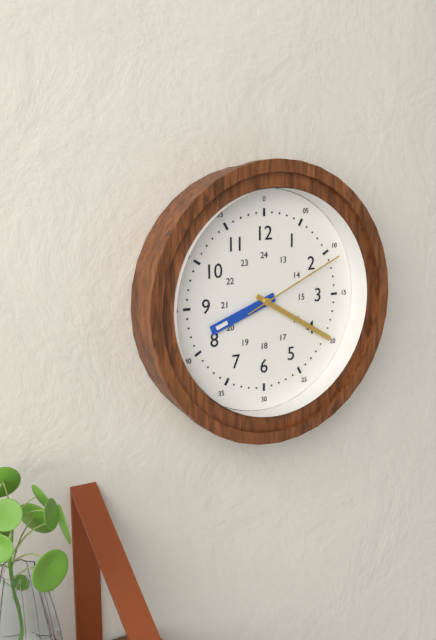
8h20m11s
